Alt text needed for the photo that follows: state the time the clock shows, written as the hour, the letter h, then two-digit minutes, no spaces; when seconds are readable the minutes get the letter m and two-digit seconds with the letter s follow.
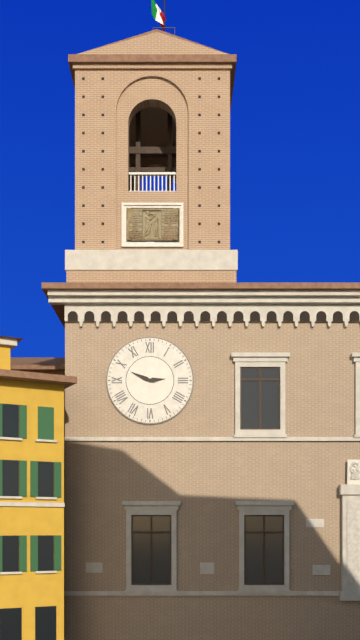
2h49
